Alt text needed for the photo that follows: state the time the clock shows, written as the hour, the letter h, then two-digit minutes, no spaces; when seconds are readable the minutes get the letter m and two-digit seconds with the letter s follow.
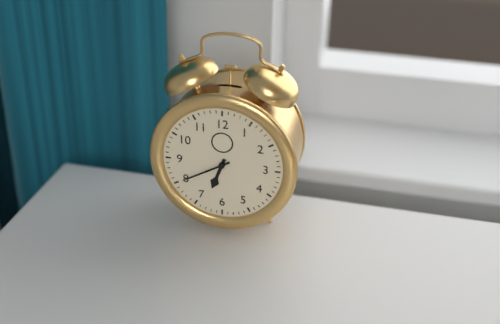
6h40
